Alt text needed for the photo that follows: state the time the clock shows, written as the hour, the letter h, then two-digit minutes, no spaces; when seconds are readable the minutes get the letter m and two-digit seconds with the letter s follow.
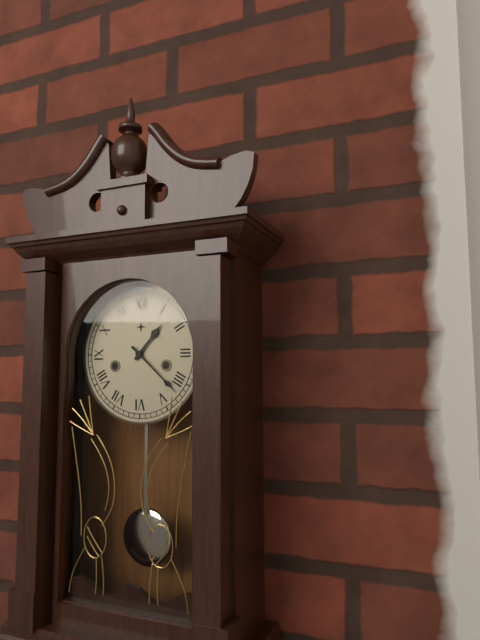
1h22
